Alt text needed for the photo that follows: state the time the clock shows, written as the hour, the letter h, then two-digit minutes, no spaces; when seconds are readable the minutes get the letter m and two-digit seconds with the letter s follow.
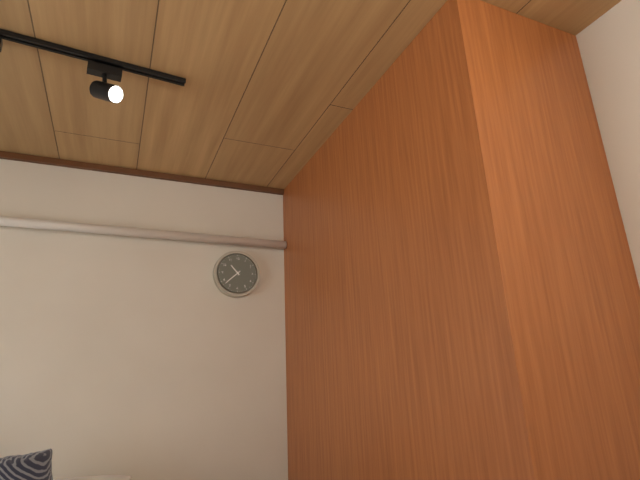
10h38
